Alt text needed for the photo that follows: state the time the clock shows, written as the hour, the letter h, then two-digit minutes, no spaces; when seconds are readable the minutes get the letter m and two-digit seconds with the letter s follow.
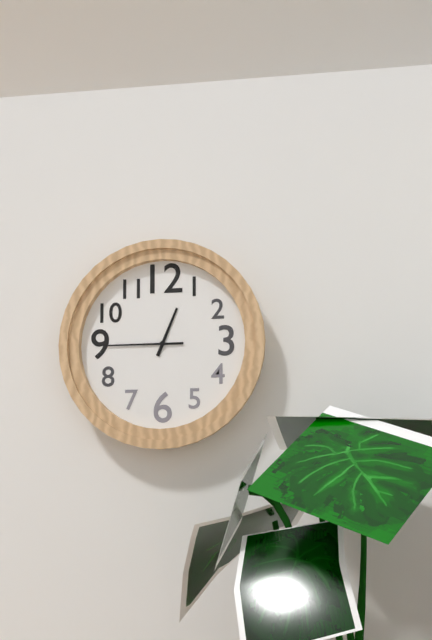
12h45
